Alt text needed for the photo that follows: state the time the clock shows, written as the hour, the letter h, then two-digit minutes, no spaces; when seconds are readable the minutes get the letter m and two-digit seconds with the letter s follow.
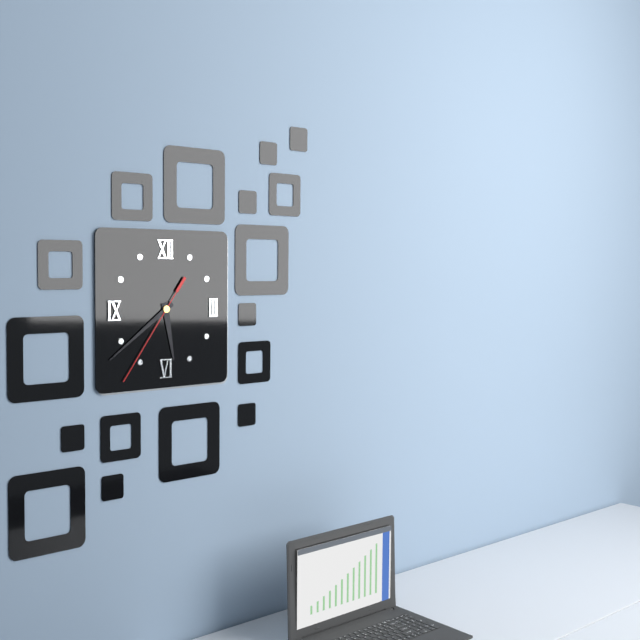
5h39m36s
